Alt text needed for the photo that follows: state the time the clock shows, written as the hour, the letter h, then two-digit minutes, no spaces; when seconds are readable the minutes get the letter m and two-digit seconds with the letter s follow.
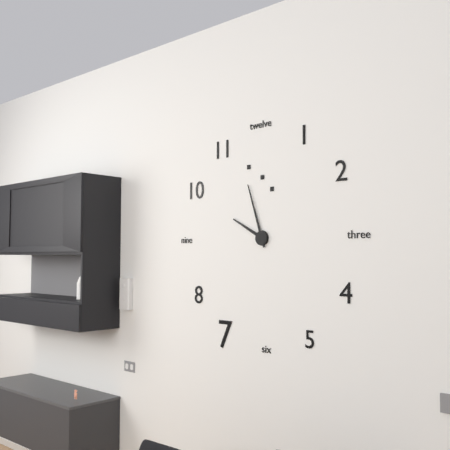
9h57
